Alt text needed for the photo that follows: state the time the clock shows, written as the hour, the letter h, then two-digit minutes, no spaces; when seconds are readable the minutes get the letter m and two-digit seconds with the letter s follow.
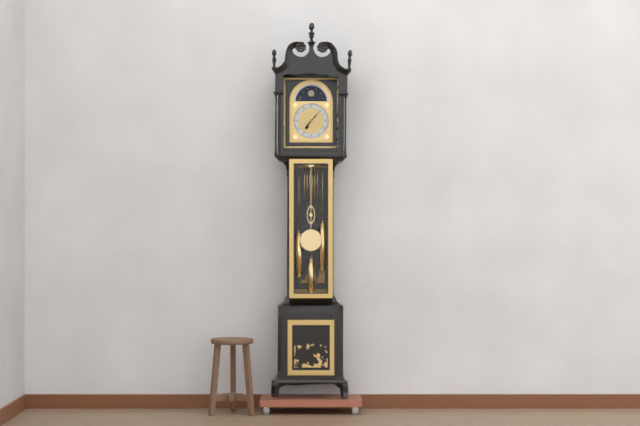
7h07
